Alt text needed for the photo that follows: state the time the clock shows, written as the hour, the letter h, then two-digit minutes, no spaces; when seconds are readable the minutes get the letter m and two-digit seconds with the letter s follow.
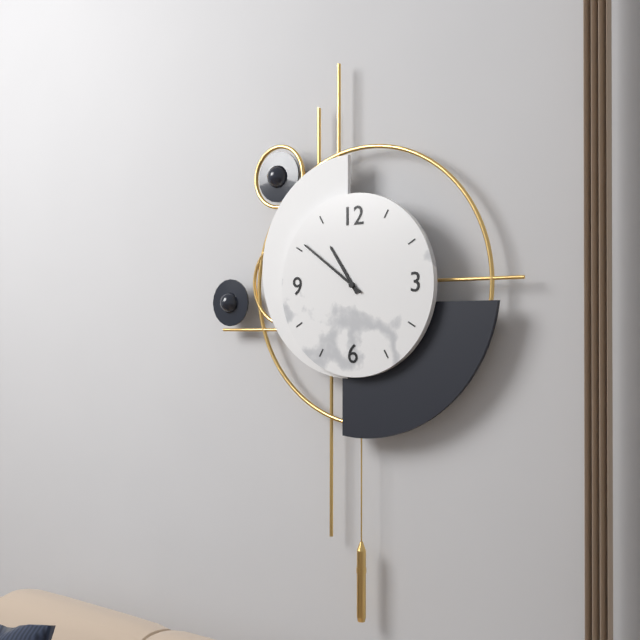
10h51
